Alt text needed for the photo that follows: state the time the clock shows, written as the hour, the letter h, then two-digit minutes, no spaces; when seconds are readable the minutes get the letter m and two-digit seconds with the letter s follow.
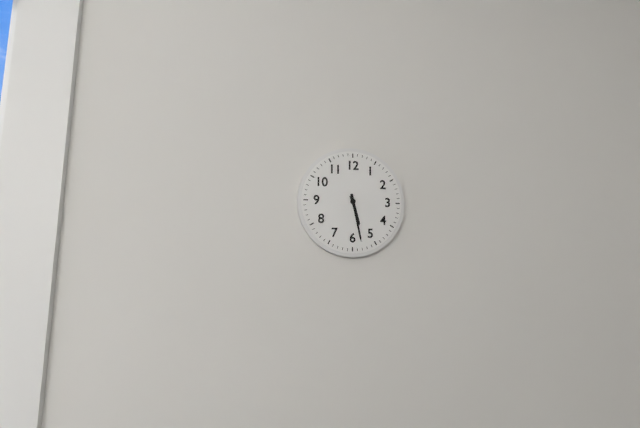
5h28
